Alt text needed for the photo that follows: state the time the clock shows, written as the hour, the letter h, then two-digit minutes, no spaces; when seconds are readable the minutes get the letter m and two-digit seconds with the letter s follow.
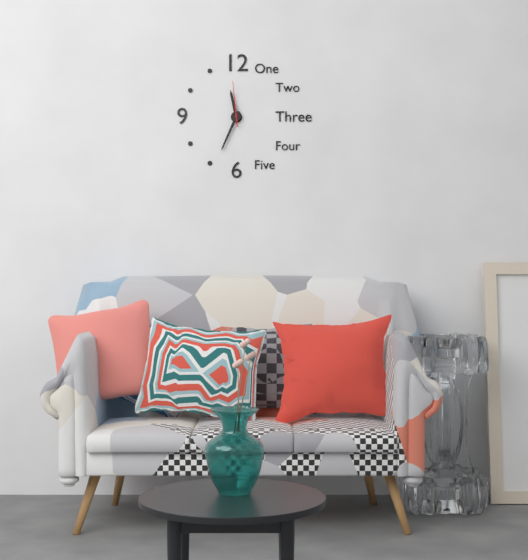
11h34
